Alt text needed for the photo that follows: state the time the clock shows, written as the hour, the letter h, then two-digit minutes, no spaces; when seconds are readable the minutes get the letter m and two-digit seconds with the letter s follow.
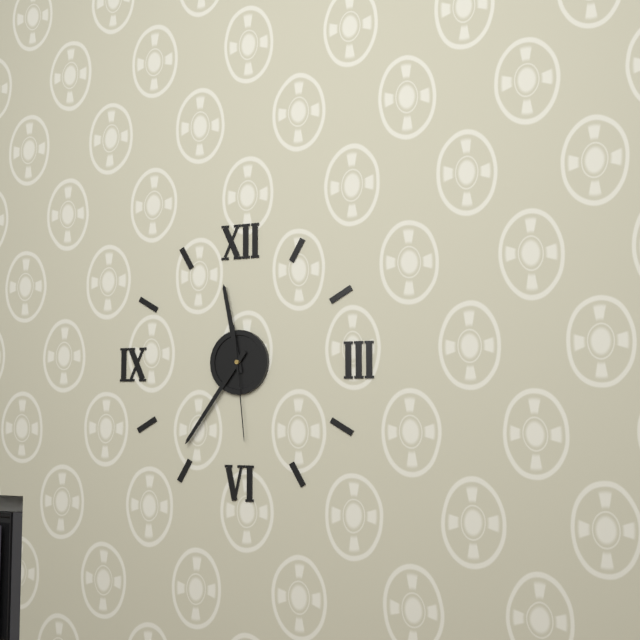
11h36m29s
